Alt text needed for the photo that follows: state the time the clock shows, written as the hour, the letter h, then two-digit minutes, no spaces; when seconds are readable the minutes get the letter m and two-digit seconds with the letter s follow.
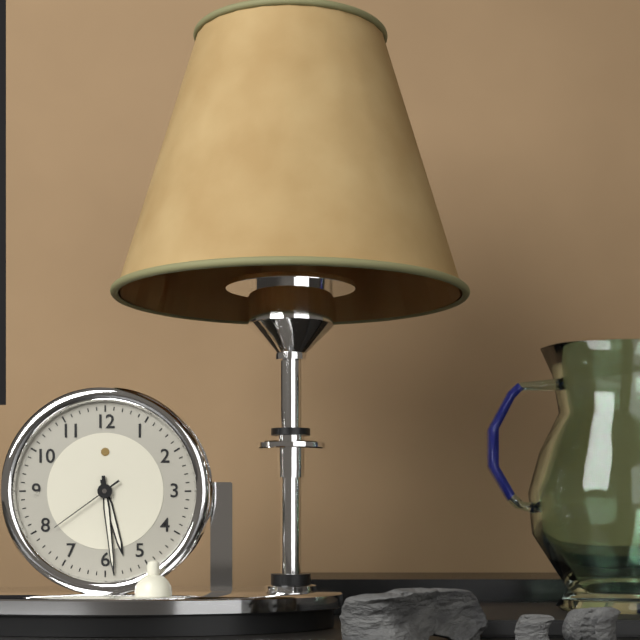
5h29m39s
